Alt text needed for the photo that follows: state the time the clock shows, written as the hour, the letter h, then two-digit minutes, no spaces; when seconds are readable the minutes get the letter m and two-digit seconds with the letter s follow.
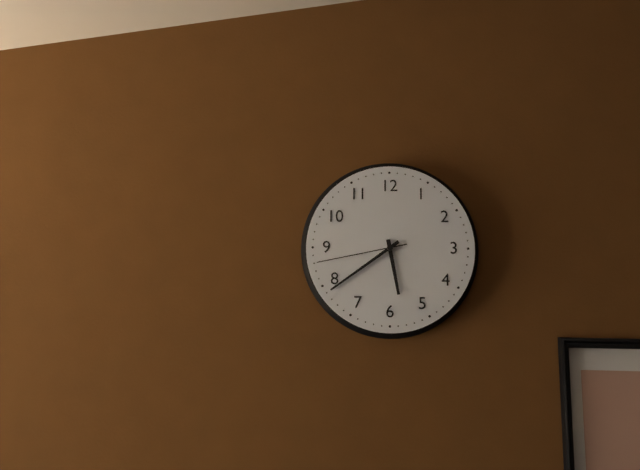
5h39m43s
